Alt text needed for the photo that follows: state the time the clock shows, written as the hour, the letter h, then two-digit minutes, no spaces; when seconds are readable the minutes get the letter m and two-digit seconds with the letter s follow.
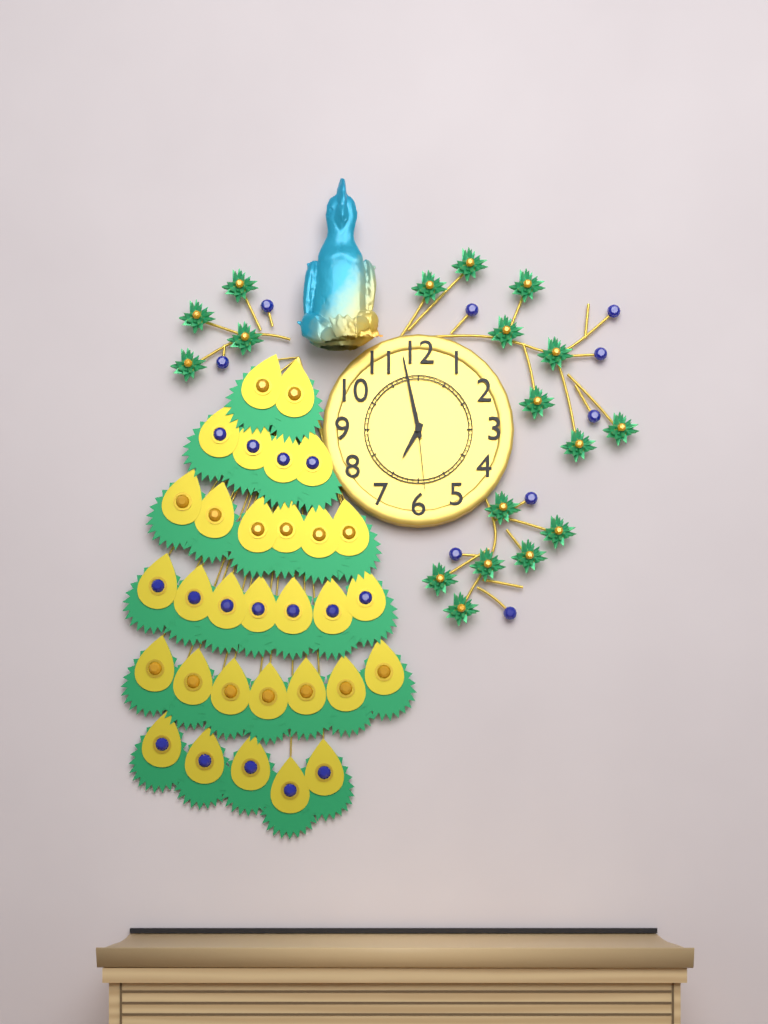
6h58m29s
